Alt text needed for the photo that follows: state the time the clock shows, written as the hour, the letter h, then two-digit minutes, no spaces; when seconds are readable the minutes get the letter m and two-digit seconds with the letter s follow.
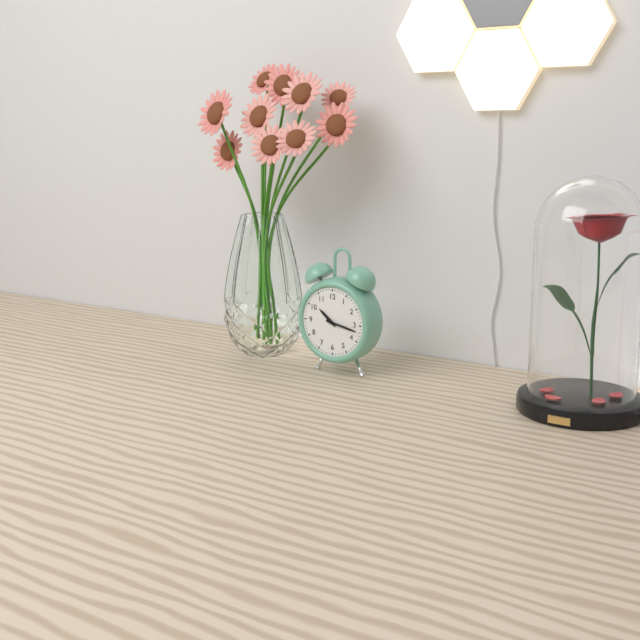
10h17
